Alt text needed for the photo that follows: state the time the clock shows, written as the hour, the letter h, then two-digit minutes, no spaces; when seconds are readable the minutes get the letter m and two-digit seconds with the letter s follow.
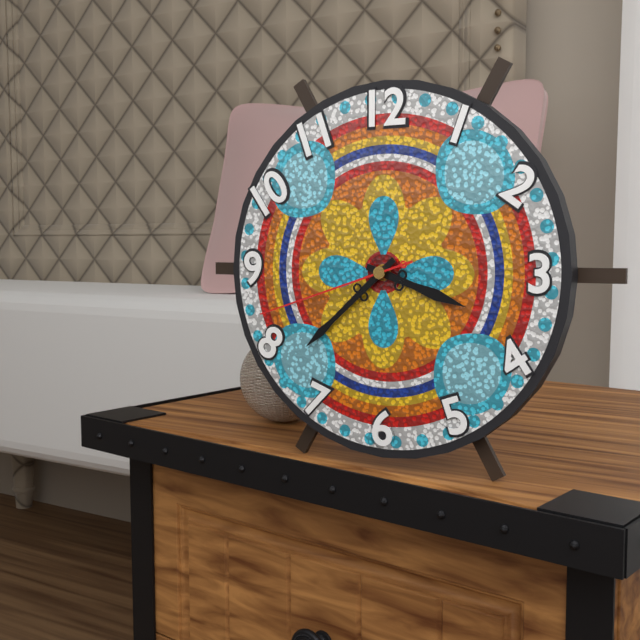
3h38m42s
